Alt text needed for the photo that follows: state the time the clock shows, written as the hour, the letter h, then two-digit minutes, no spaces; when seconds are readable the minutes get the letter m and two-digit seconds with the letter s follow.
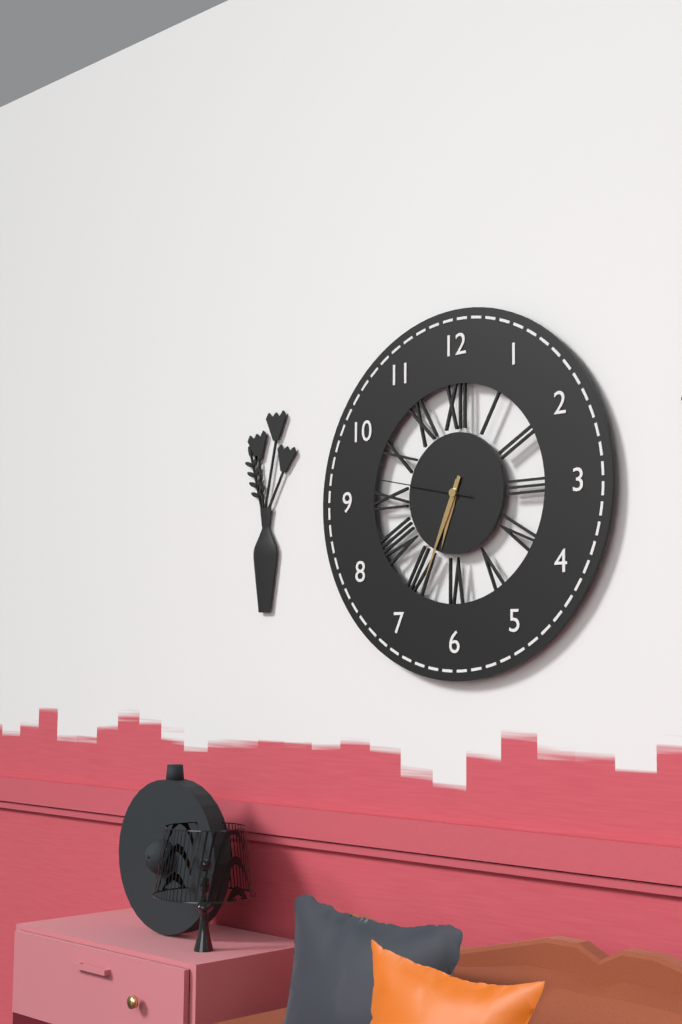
6h34m47s
